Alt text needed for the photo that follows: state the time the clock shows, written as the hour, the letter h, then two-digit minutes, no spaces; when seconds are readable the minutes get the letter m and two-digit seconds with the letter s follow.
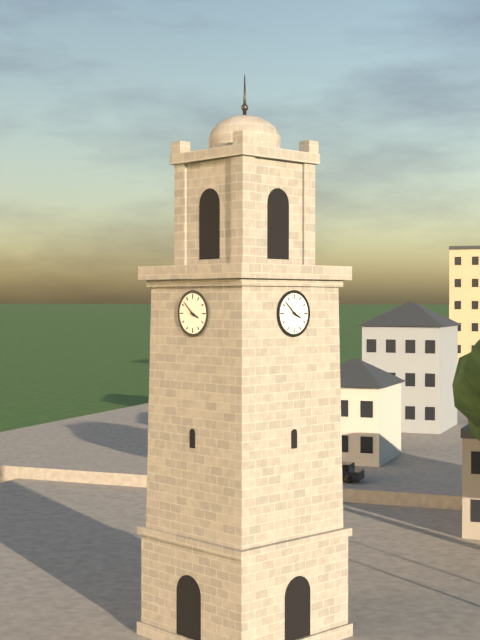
3h52
